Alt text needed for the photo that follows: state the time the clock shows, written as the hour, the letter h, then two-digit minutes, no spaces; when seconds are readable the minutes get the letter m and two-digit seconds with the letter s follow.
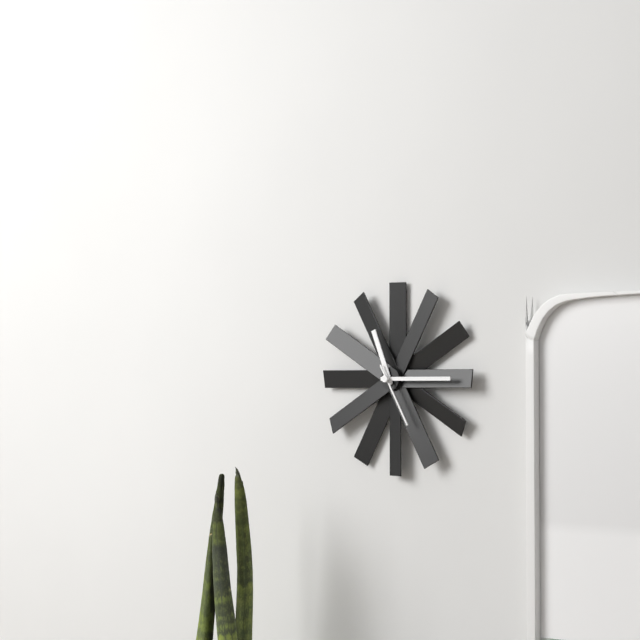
11h15m25s
